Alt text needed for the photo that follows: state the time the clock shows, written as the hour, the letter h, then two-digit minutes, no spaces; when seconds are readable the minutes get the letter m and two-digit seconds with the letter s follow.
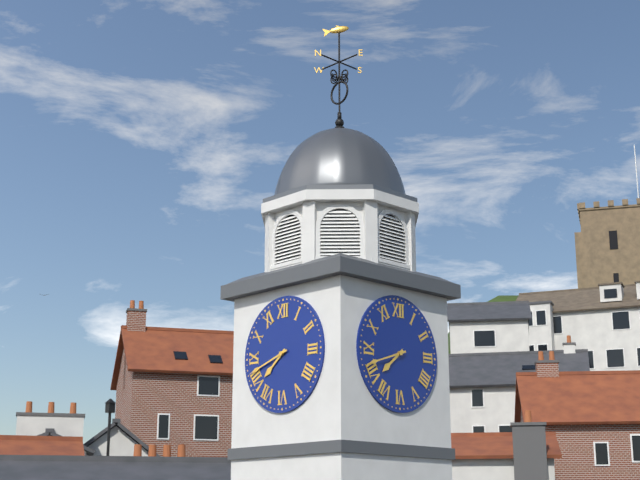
7h42
